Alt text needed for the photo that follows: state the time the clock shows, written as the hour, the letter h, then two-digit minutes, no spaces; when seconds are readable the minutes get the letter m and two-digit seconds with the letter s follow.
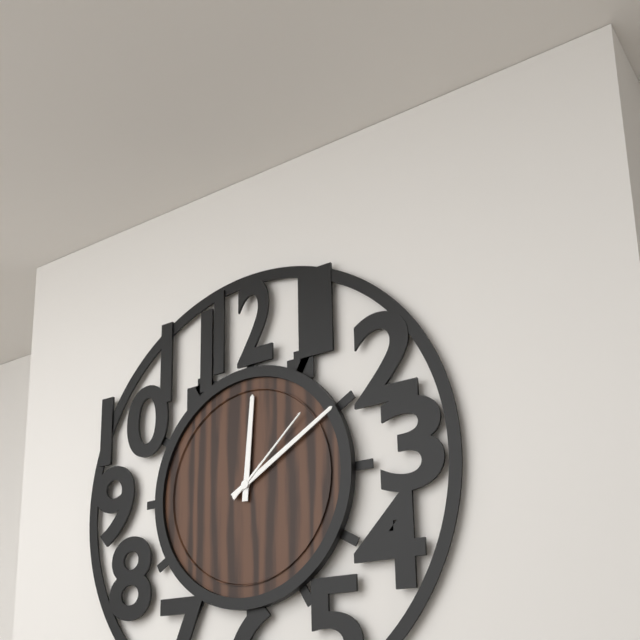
12h10m08s
